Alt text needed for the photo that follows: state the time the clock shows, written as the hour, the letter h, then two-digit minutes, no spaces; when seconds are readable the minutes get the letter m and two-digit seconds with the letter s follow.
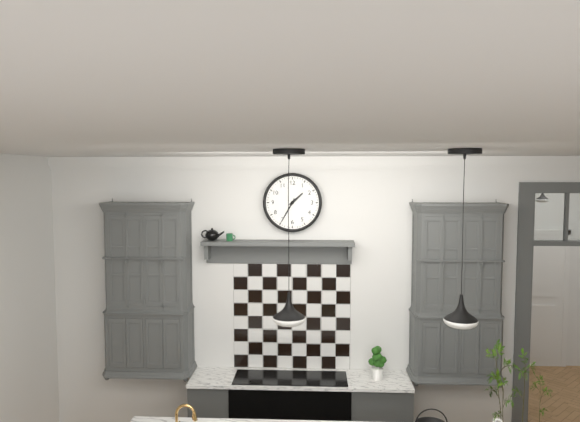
1h35
